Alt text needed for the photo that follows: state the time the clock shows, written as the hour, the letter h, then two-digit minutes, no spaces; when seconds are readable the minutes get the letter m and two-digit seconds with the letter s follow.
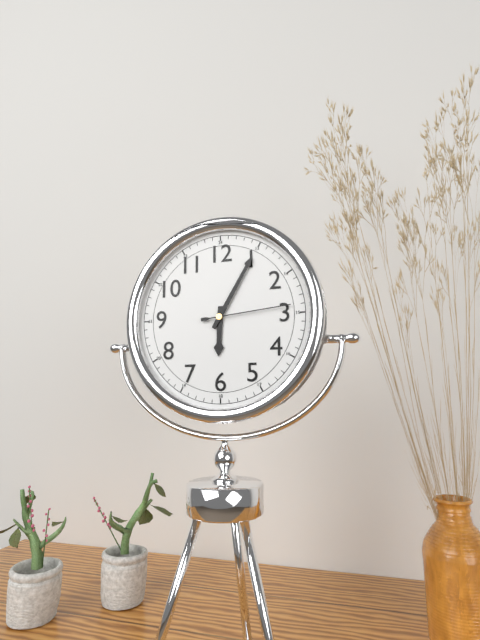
6h05m14s
